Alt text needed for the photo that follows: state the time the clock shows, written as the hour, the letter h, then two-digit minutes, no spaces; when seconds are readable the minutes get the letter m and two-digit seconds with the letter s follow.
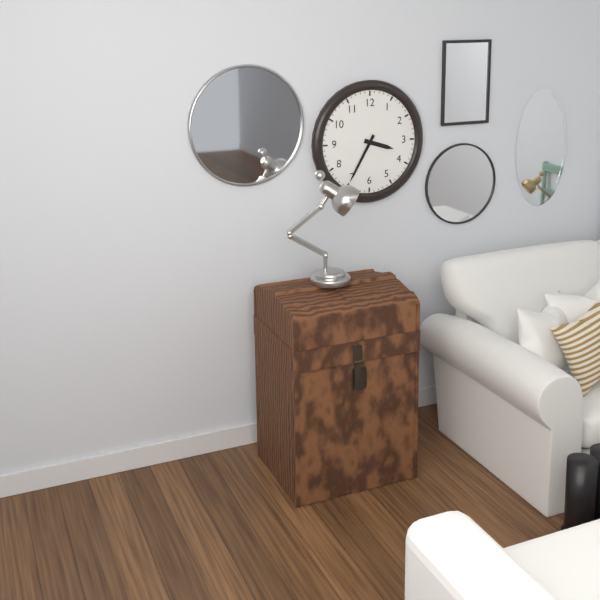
3h35
